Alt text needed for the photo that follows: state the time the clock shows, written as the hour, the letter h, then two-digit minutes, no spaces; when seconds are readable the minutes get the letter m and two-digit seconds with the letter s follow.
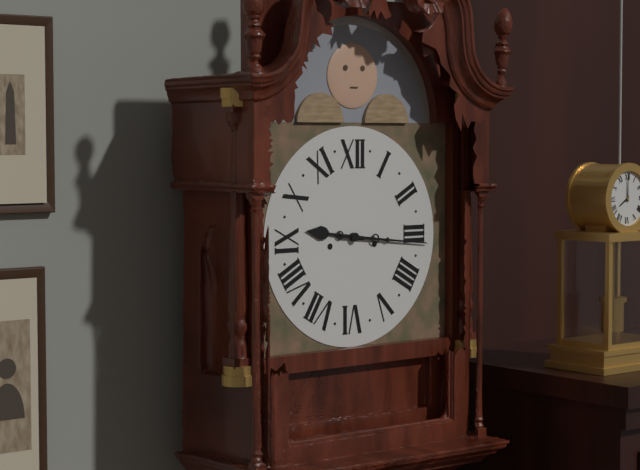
9h16
